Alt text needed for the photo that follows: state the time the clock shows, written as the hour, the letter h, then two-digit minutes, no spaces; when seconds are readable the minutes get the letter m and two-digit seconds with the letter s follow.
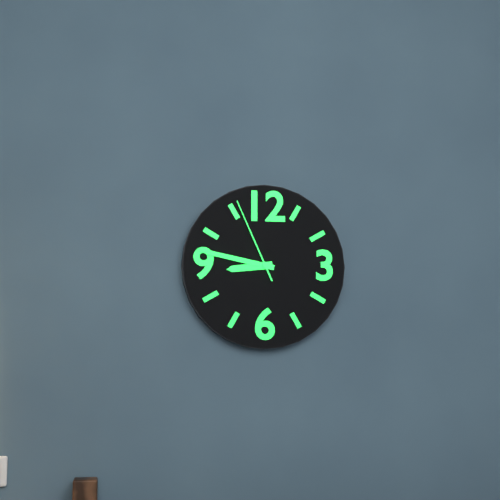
8h47m56s
